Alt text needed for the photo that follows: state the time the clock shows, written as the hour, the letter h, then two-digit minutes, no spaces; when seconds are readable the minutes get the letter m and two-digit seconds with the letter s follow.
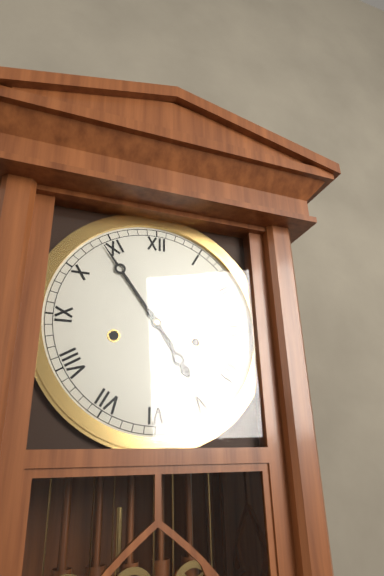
4h54
